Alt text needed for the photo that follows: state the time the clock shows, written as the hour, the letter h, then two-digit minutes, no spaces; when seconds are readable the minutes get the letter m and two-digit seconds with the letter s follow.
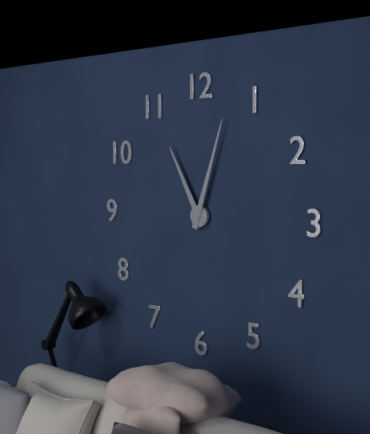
11h03
